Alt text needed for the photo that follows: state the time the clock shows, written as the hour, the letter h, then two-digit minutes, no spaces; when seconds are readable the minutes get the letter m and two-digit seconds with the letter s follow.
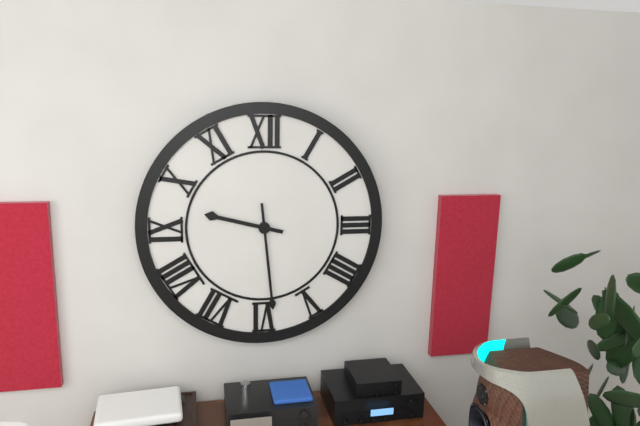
9h29
